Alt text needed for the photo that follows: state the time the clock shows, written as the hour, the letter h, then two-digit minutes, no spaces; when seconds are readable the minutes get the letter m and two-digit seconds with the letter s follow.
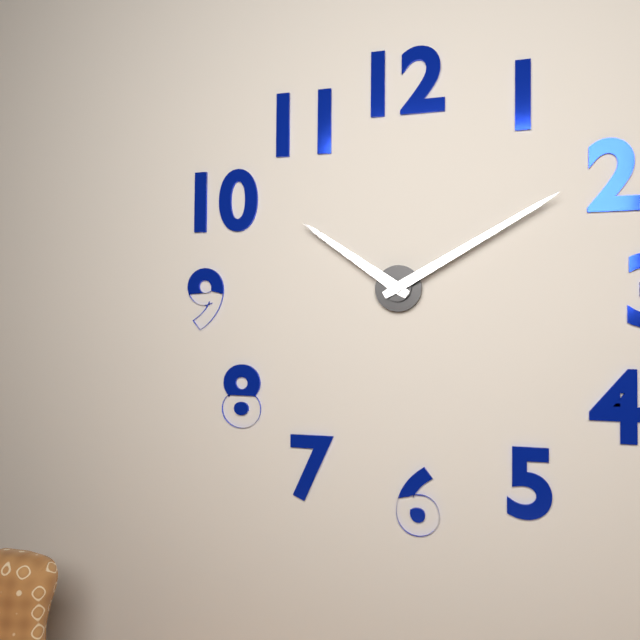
10h10
